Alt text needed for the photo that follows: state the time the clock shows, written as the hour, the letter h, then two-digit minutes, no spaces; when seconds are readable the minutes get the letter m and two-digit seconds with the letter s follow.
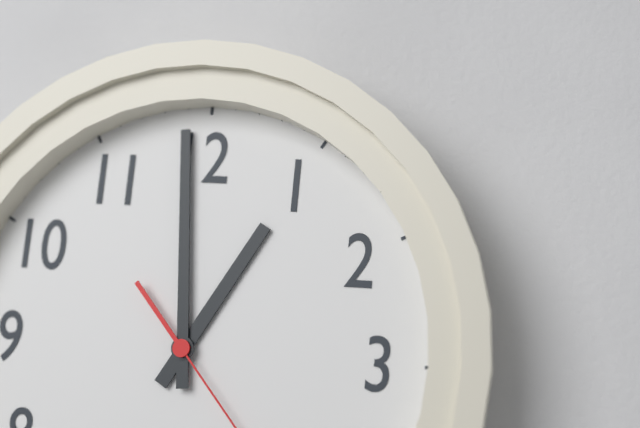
12h59
